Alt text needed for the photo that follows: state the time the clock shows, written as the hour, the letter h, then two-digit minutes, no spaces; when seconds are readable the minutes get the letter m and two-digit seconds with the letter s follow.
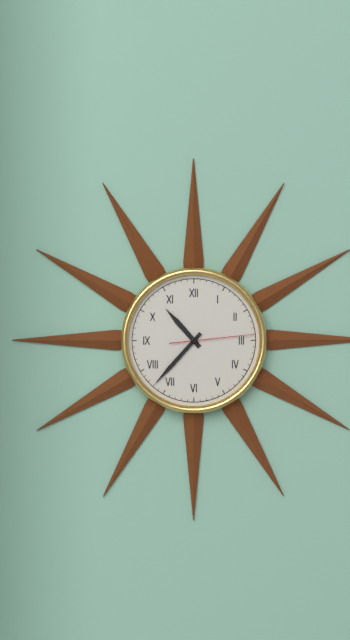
10h37m14s
